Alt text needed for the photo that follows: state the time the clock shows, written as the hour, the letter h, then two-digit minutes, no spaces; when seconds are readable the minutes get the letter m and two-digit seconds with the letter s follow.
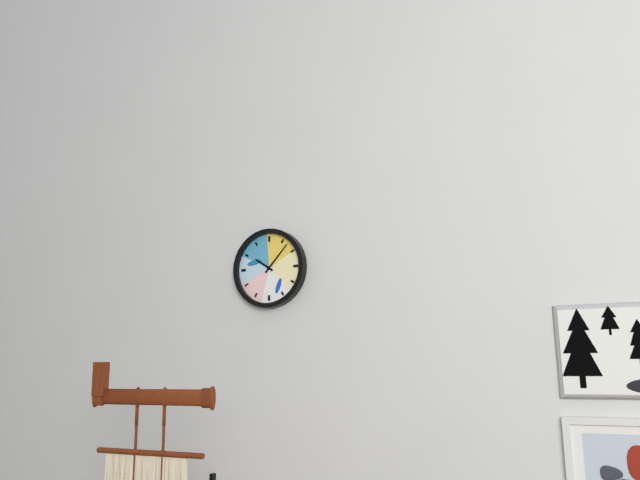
10h07
